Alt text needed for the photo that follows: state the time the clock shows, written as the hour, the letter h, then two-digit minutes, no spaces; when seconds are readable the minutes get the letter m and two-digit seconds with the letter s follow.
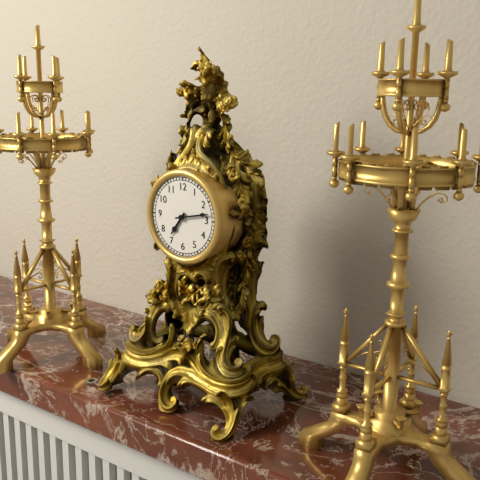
7h13
